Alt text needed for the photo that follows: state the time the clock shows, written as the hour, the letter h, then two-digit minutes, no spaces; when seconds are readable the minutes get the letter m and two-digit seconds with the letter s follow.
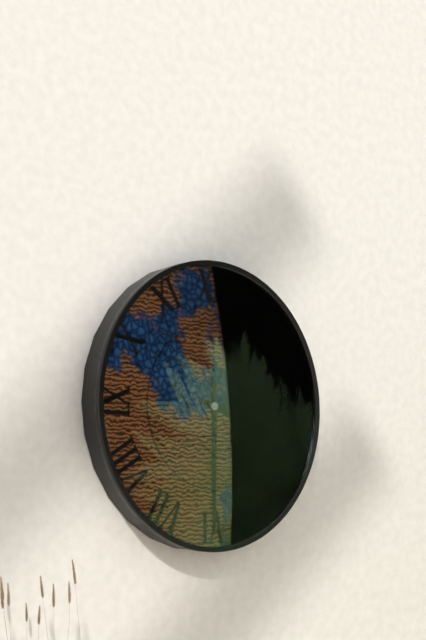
3h30
